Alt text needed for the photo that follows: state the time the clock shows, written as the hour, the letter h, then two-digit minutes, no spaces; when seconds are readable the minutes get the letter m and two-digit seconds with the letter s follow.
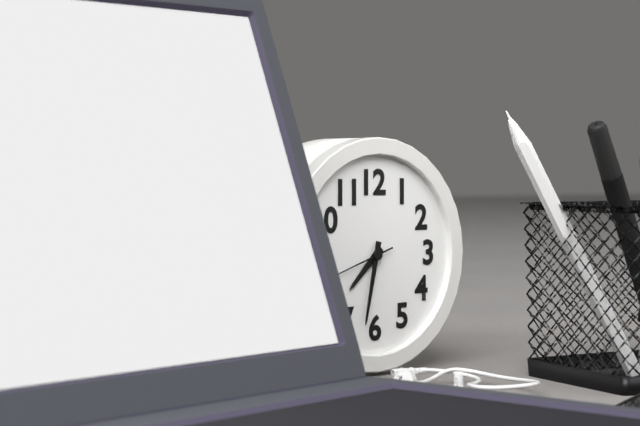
7h32m42s
